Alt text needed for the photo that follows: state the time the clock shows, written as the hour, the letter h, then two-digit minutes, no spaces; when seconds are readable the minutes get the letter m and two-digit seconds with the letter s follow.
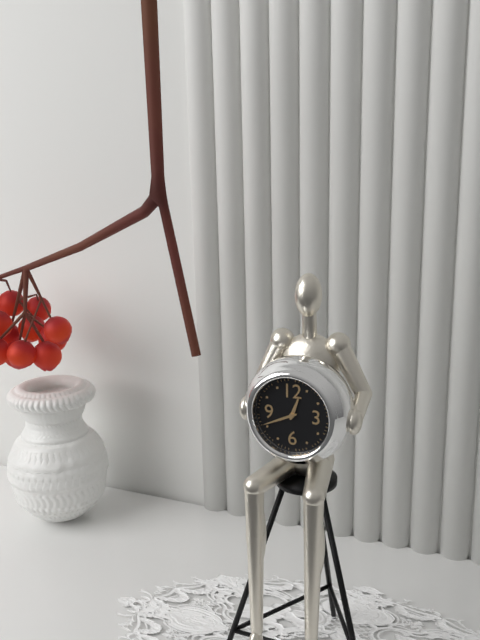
12h41
